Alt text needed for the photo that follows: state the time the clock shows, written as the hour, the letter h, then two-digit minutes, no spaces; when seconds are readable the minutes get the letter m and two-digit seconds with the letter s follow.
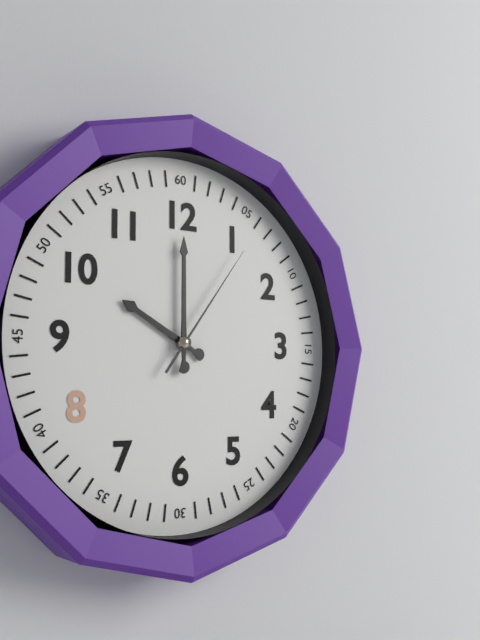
10h00m06s
